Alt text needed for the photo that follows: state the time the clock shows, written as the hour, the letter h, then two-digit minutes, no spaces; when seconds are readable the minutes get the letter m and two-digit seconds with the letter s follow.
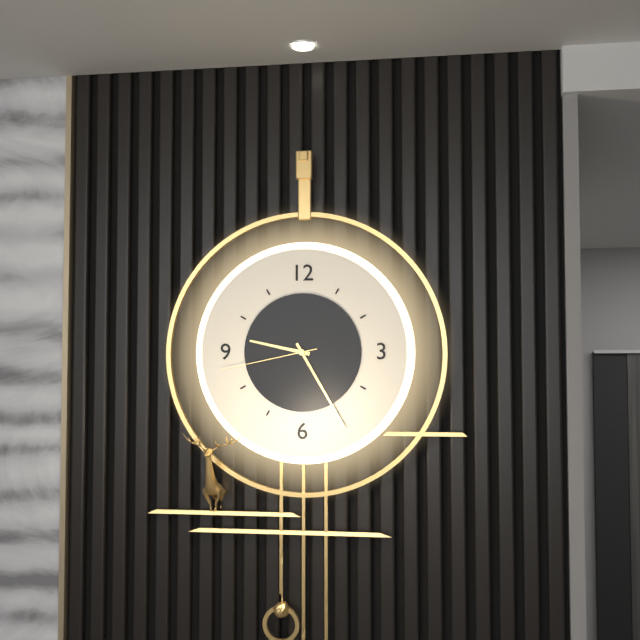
9h25m43s
